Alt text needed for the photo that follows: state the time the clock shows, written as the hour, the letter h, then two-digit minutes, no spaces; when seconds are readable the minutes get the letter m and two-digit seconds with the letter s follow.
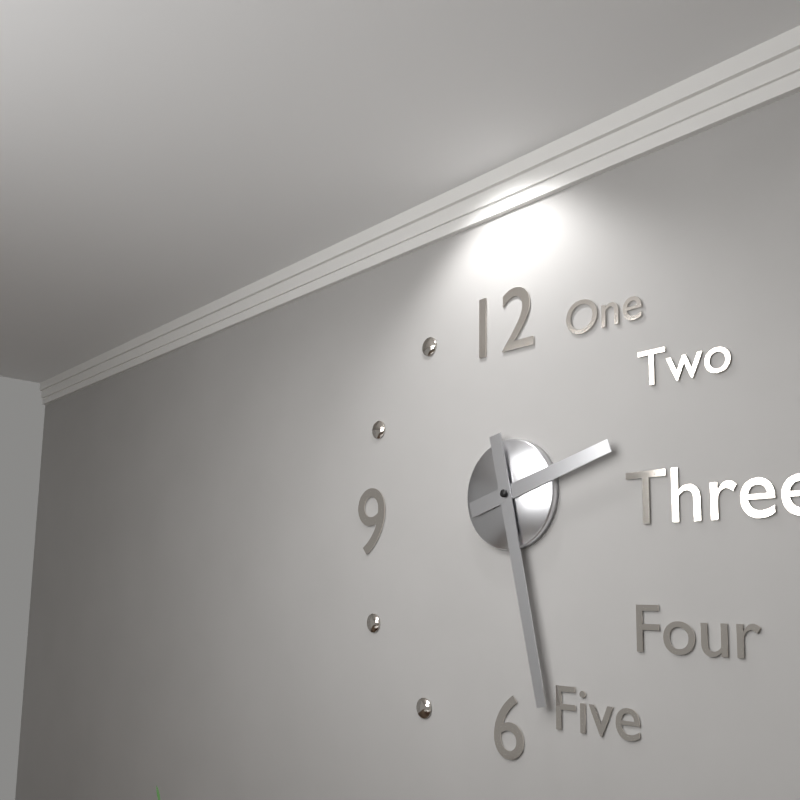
2h28
